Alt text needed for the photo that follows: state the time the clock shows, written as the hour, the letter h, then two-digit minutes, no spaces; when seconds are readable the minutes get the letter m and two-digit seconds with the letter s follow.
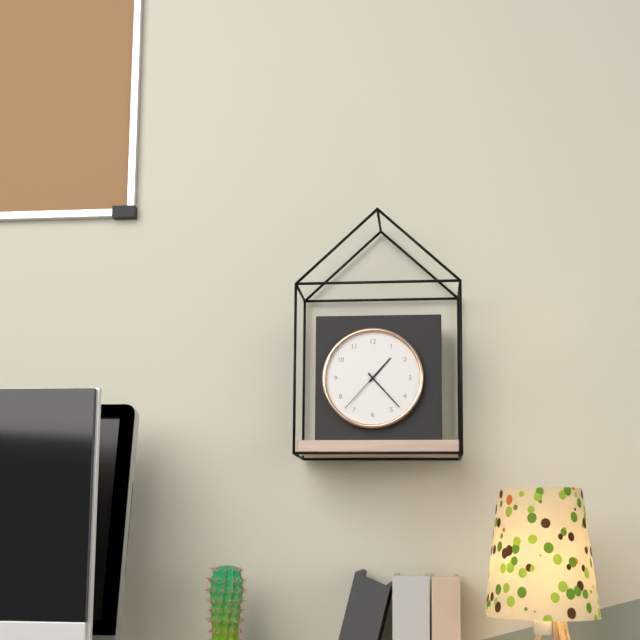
1h23m37s
